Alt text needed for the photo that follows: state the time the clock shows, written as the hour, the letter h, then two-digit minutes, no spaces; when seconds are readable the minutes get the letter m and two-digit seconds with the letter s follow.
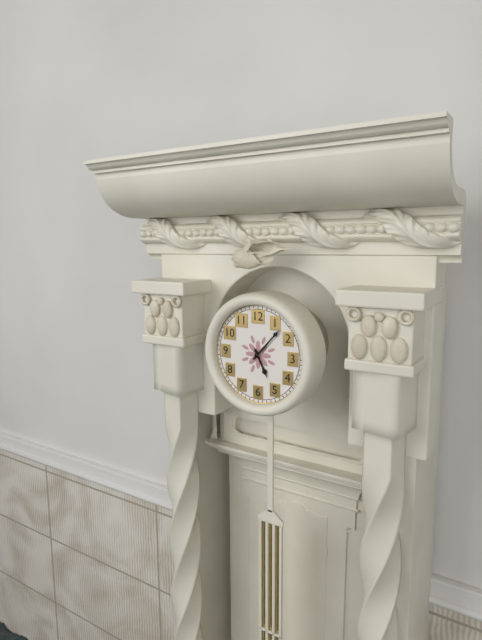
5h07
